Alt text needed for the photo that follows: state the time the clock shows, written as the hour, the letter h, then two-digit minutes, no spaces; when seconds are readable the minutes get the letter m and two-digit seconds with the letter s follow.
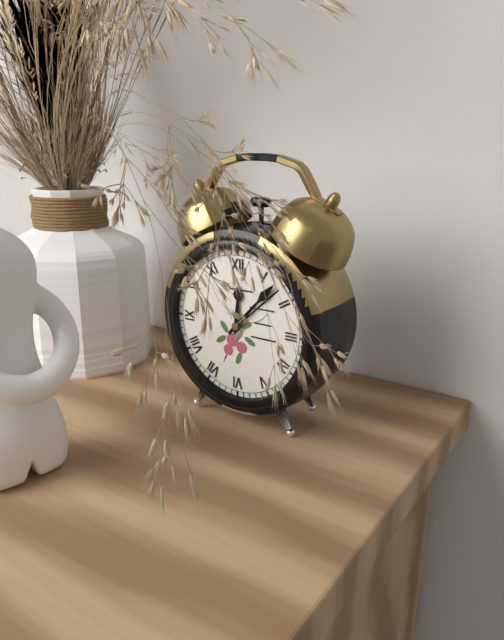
12h07
